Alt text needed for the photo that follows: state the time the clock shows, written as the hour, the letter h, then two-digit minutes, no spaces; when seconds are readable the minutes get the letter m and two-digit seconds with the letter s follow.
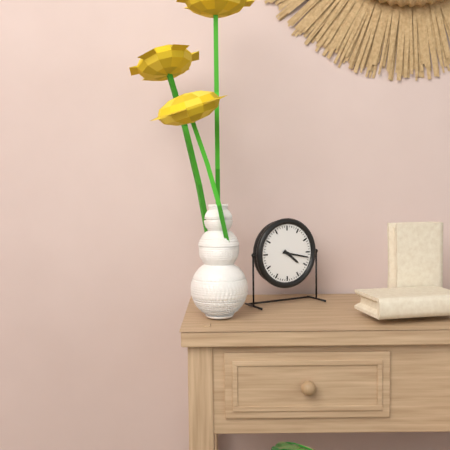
4h17
